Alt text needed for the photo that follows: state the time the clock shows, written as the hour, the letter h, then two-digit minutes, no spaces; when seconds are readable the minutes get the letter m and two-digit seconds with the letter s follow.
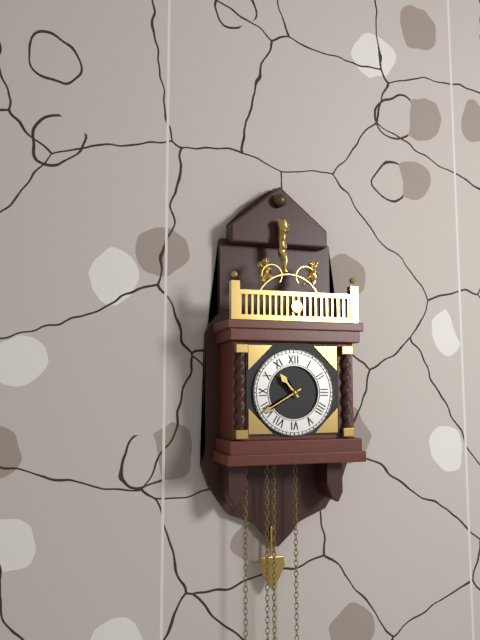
10h40
